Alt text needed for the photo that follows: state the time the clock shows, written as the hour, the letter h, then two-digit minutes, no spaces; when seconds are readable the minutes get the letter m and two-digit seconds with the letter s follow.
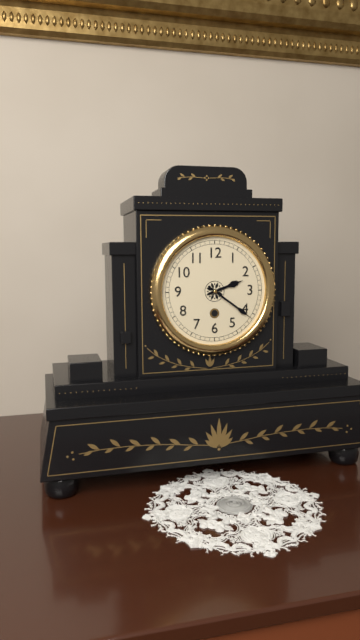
2h21
